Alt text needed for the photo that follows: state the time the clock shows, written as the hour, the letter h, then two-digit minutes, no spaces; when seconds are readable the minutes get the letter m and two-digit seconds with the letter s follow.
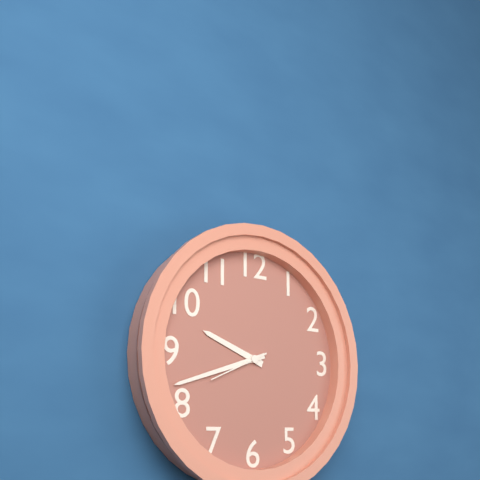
9h42m41s
